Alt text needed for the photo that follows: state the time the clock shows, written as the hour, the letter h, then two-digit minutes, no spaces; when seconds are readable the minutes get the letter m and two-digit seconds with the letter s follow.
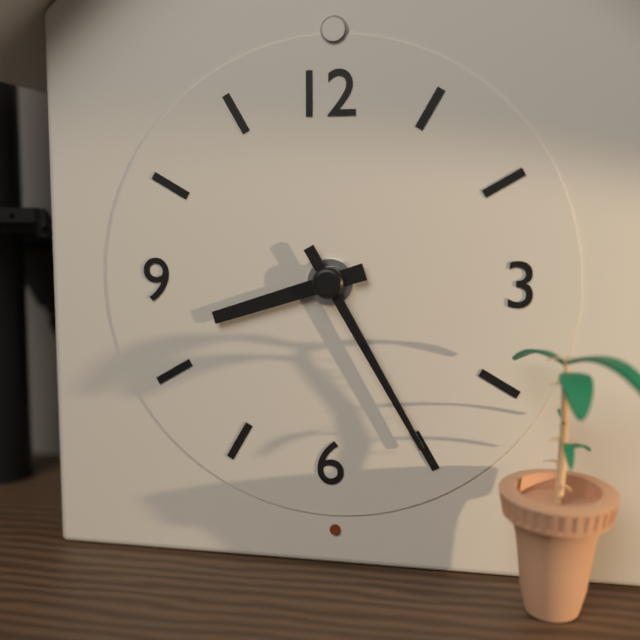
8h25
